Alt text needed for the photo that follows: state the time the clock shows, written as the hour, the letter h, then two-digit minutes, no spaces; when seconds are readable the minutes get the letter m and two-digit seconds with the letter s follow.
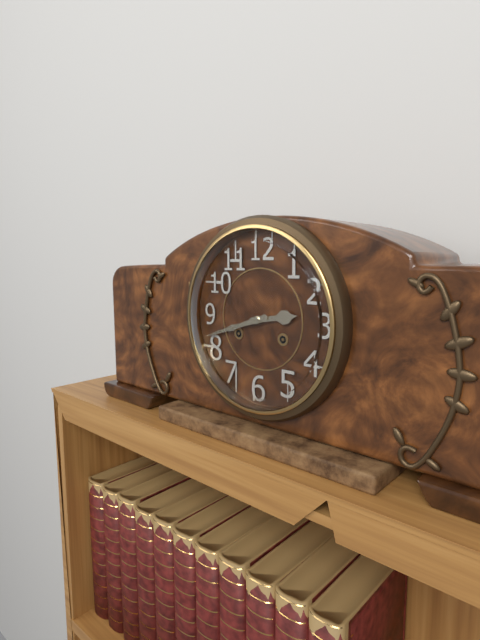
2h42
